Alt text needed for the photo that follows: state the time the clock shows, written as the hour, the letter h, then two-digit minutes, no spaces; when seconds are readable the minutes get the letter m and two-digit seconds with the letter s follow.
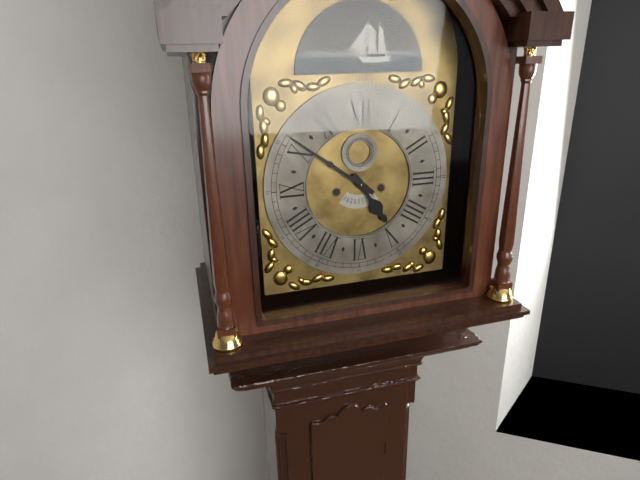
4h51
